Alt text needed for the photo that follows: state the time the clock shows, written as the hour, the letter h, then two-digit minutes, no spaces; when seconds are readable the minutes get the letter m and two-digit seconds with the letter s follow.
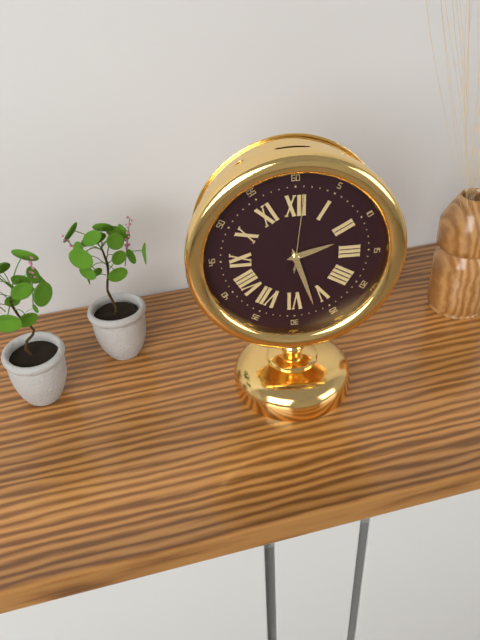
2h27m01s
